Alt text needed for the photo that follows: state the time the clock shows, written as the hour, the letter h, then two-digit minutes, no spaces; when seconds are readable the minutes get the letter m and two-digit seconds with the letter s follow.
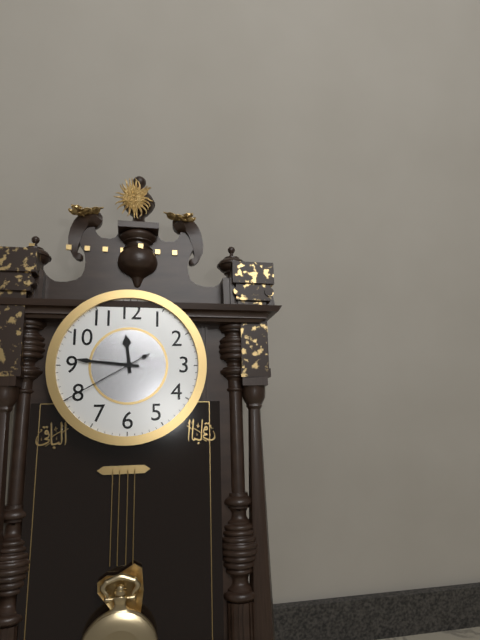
11h46m40s
